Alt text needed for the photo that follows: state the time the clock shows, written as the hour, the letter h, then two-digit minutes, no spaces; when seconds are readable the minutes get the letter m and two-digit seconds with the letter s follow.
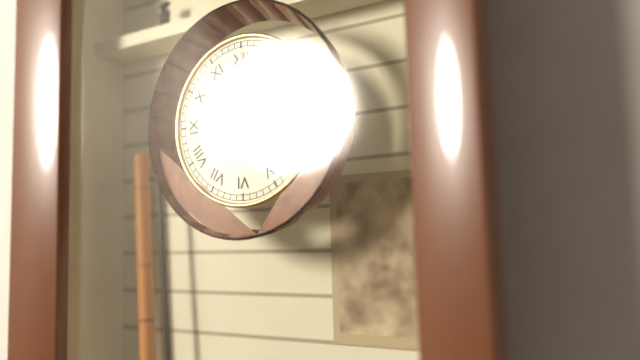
12h00
